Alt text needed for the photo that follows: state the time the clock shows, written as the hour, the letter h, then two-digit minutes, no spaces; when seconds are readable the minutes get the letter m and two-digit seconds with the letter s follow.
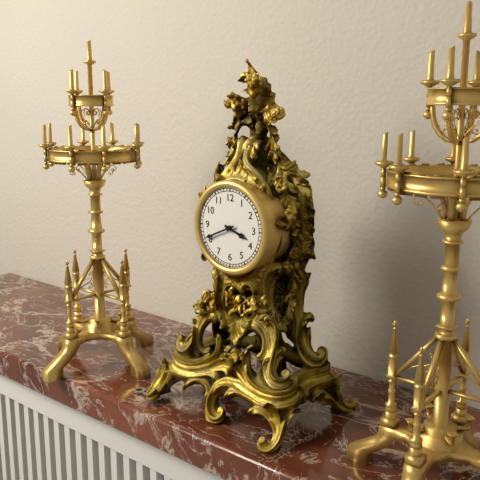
3h41
